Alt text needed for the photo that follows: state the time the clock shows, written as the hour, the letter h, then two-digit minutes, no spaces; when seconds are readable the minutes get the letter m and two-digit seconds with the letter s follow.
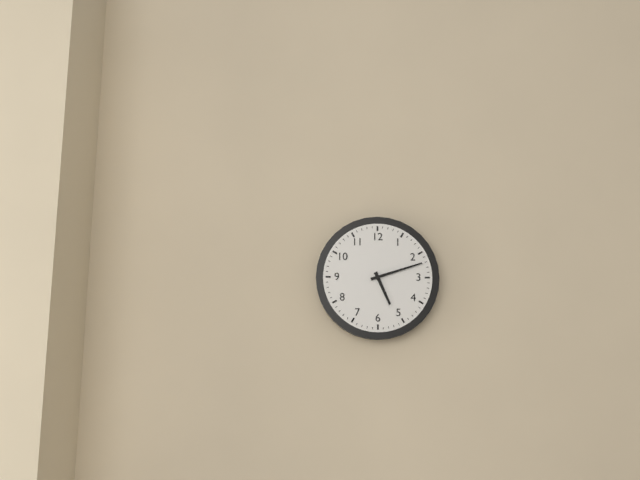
5h12
